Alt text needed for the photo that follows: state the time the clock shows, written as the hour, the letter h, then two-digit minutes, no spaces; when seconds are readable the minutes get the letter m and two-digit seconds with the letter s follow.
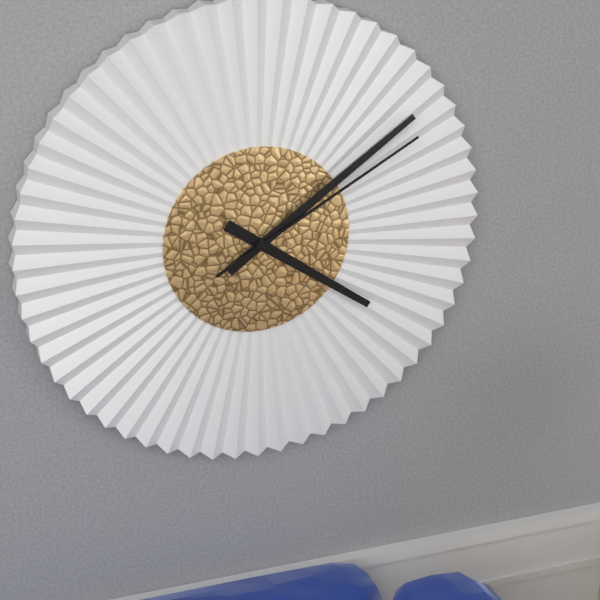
4h09m10s
